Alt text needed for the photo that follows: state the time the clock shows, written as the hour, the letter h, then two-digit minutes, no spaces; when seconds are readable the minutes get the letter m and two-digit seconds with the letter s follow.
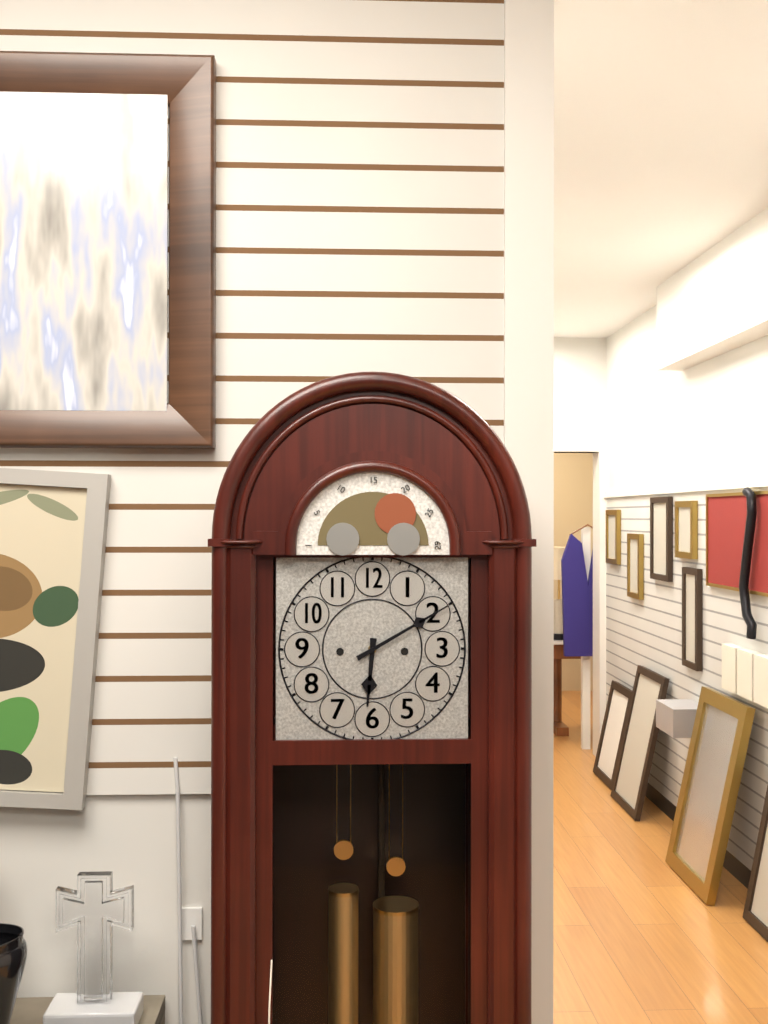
6h10
